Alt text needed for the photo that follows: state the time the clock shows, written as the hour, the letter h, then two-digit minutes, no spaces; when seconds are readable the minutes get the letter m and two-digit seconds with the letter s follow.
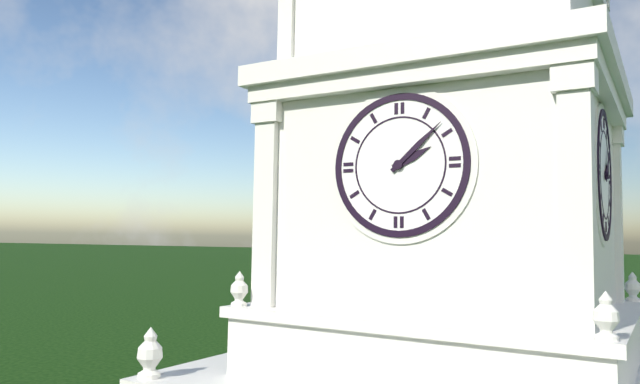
2h08
